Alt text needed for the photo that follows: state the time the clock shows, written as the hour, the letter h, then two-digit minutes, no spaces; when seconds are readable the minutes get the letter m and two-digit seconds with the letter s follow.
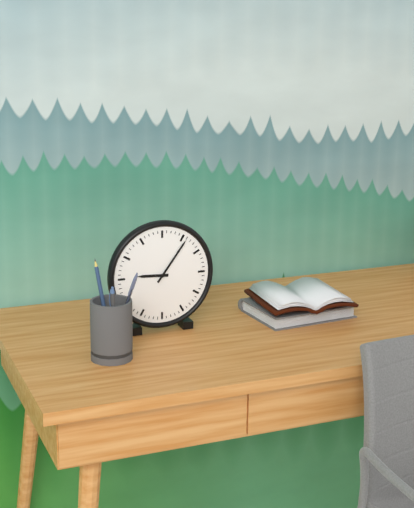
9h06
